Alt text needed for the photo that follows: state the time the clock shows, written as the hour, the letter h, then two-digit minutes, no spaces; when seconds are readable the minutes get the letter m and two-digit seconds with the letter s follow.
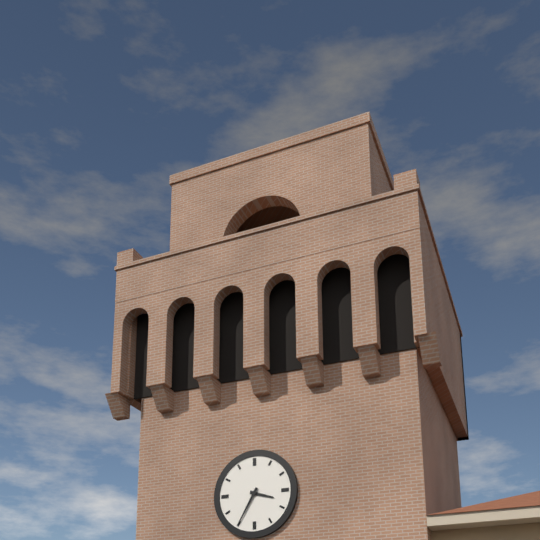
3h35
